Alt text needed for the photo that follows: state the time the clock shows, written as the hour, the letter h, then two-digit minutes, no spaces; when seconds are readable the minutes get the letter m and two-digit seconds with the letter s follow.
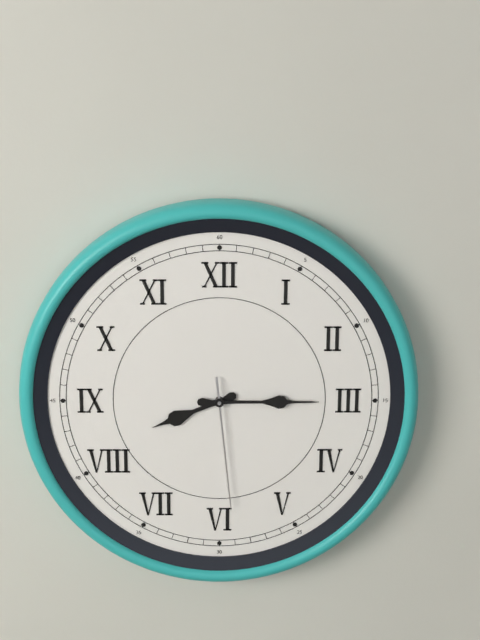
8h15m29s
